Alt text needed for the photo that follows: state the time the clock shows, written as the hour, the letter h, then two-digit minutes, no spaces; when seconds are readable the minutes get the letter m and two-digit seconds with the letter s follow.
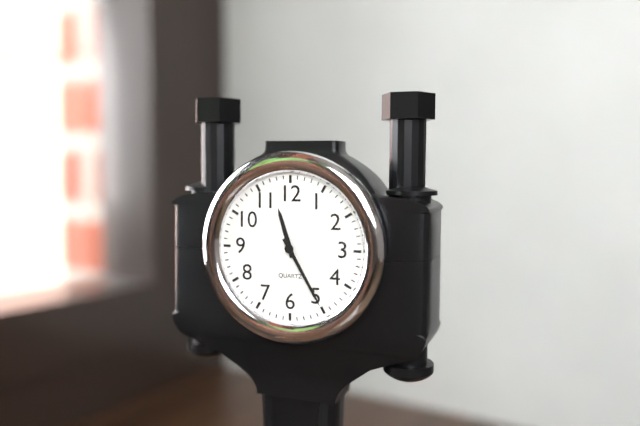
11h25
